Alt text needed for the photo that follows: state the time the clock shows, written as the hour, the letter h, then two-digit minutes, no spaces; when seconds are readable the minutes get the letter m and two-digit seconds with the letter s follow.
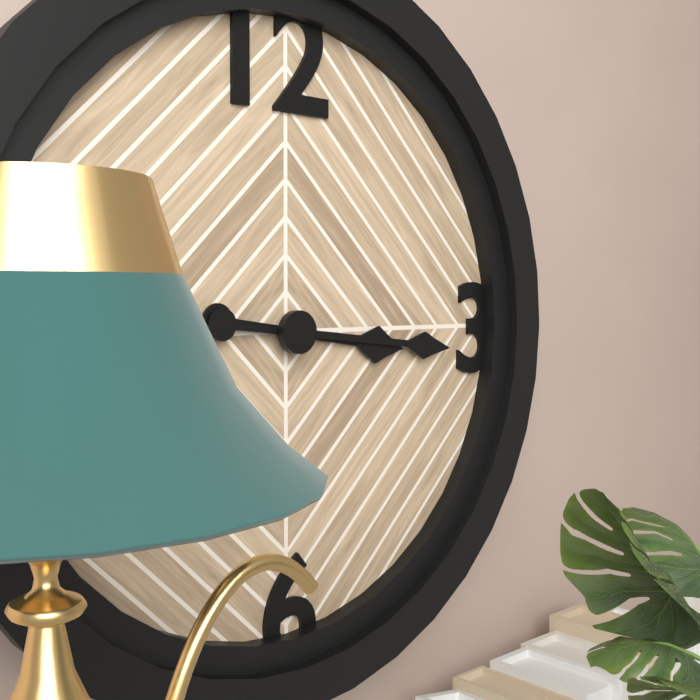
3h16
